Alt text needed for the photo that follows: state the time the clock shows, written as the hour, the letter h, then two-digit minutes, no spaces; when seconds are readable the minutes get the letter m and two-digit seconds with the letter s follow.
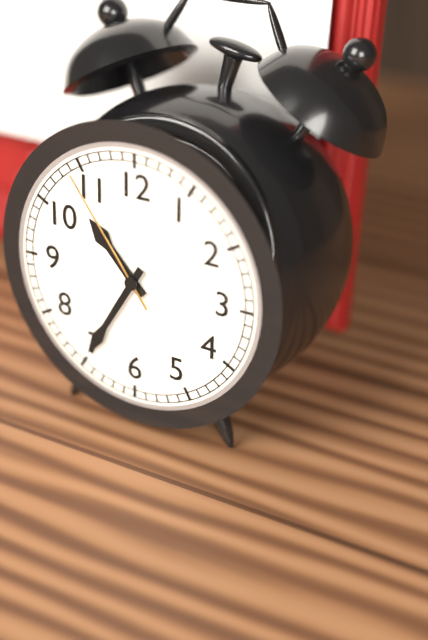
10h35m54s
